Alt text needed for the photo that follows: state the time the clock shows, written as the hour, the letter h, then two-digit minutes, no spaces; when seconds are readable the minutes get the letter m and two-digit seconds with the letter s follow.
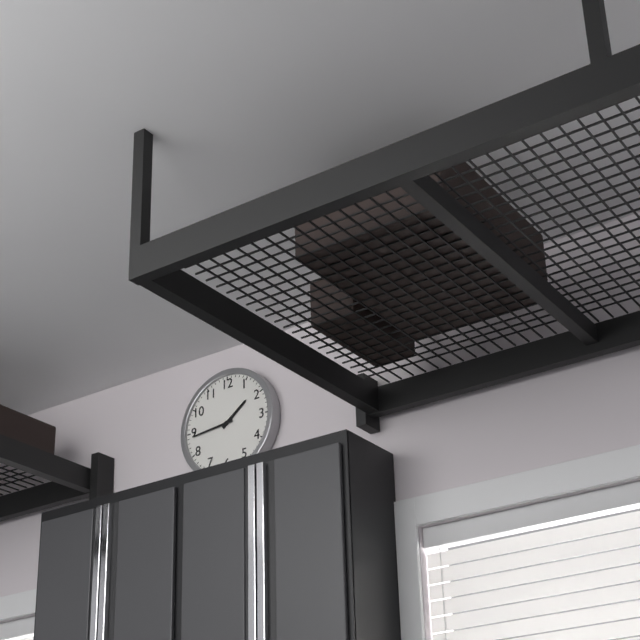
1h44
